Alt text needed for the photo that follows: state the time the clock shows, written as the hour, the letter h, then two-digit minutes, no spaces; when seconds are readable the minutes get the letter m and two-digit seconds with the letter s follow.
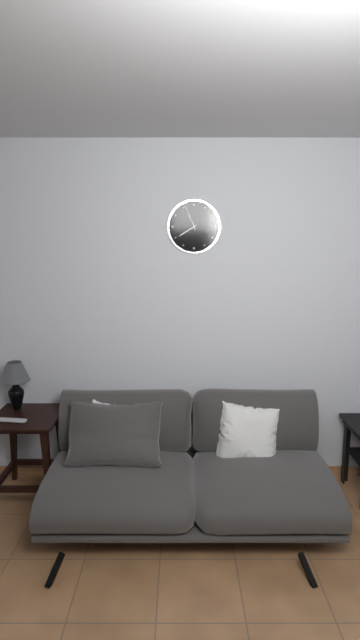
7h56
